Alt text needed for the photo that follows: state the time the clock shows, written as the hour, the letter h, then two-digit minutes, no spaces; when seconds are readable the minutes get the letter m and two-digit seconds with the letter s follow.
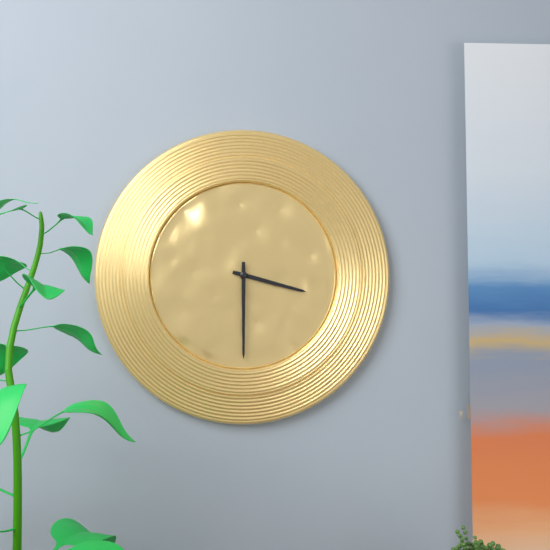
3h30
